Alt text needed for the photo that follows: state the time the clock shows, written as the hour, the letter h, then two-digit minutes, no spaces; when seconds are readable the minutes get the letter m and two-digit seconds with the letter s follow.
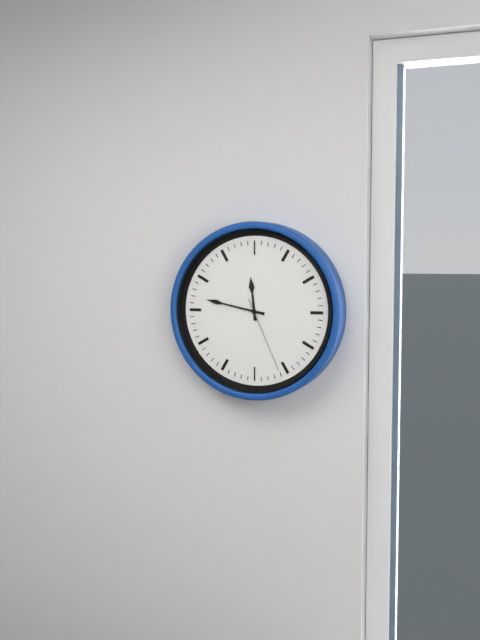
11h47m26s
